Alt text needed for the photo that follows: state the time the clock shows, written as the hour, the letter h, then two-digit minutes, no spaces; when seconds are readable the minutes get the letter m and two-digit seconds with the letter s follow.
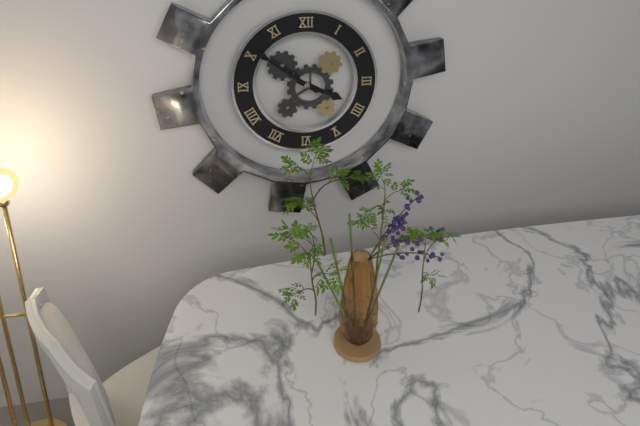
3h51
